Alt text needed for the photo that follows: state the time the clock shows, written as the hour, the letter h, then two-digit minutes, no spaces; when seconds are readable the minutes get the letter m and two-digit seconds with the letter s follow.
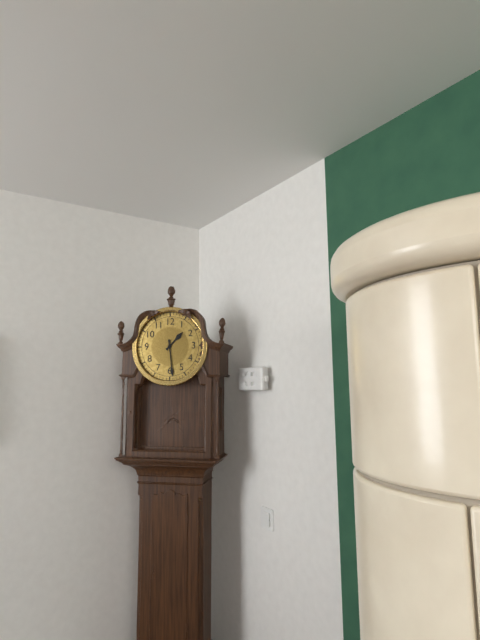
1h29
